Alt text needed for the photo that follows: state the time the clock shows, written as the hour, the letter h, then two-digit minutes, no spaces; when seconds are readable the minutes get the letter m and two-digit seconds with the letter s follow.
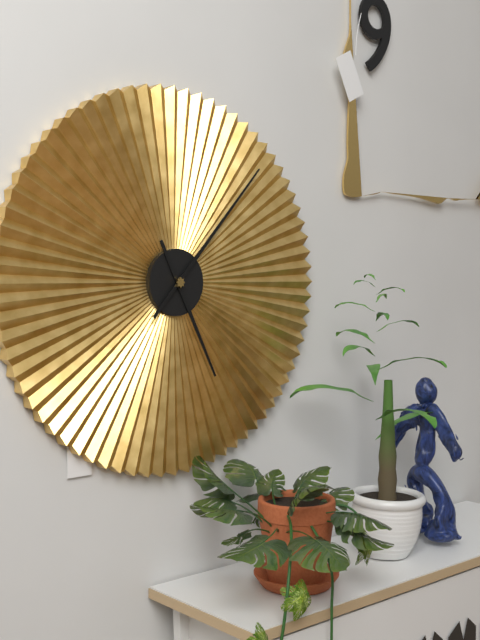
5h07
